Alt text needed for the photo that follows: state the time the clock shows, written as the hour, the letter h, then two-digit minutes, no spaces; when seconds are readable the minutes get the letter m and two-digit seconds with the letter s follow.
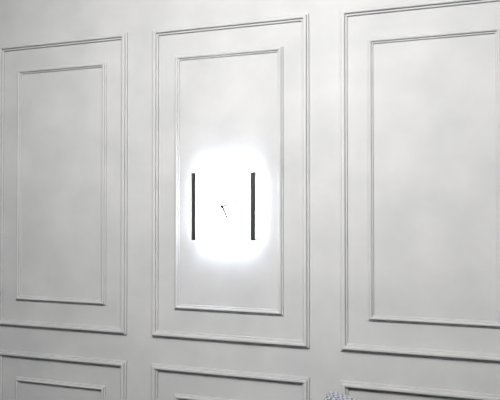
5h12
